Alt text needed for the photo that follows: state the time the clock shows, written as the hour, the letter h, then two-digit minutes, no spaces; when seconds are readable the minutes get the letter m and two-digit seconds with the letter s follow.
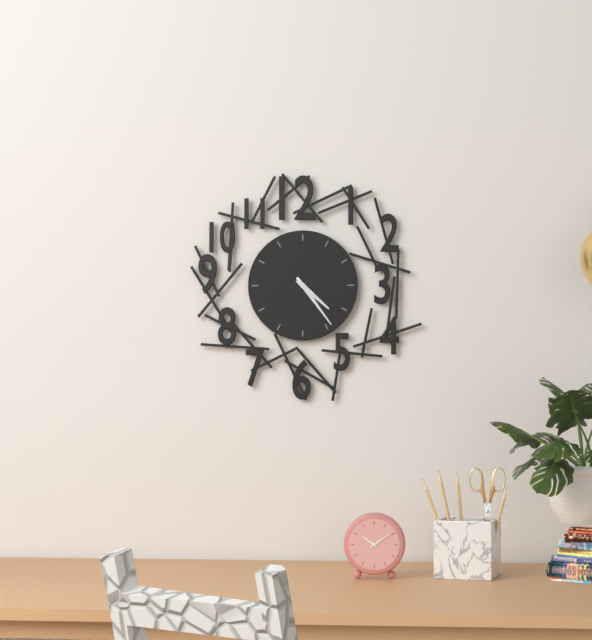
4h24
